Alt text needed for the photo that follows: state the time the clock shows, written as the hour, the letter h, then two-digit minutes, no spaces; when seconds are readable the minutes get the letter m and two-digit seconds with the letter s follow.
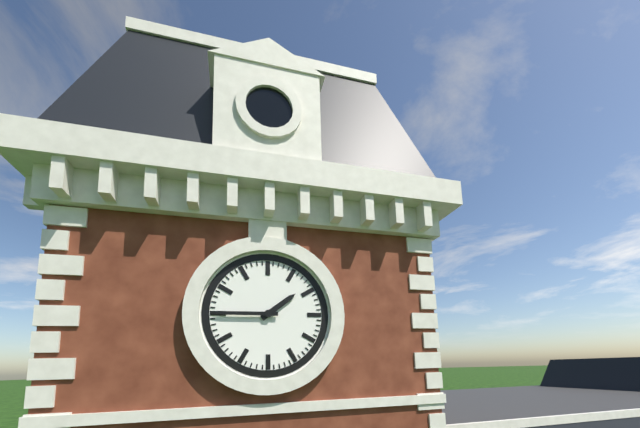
1h45
